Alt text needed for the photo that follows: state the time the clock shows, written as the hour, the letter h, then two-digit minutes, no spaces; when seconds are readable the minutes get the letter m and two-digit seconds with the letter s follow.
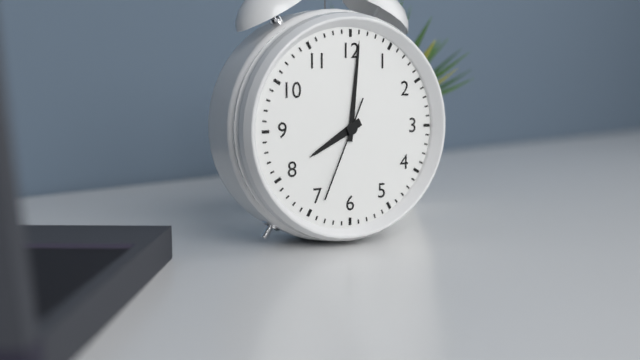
8h01m34s
